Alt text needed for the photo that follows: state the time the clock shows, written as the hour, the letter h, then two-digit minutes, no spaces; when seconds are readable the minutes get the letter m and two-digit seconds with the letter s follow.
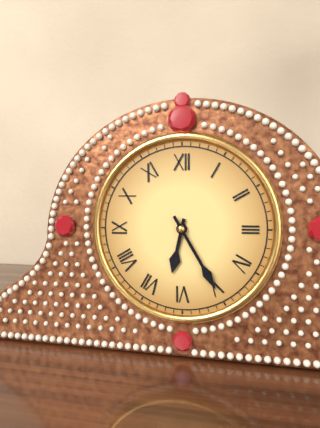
6h25
